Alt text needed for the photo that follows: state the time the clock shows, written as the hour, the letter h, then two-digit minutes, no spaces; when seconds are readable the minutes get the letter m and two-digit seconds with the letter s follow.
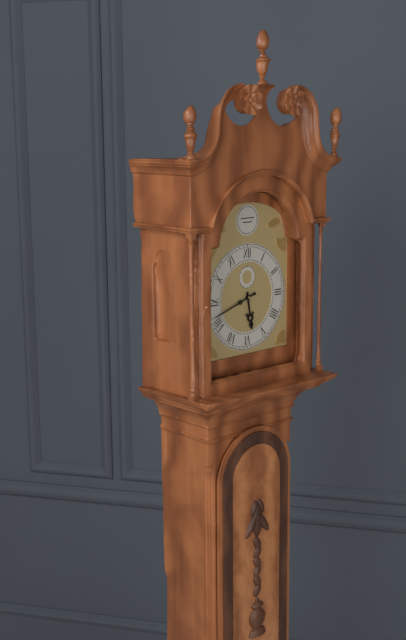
5h42
